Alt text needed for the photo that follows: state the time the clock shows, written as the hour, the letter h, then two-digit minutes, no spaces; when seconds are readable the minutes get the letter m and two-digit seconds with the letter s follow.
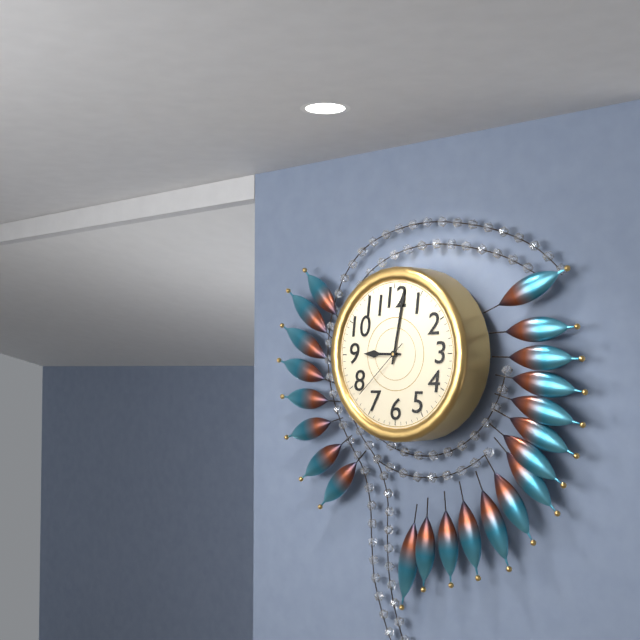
9h02m38s
